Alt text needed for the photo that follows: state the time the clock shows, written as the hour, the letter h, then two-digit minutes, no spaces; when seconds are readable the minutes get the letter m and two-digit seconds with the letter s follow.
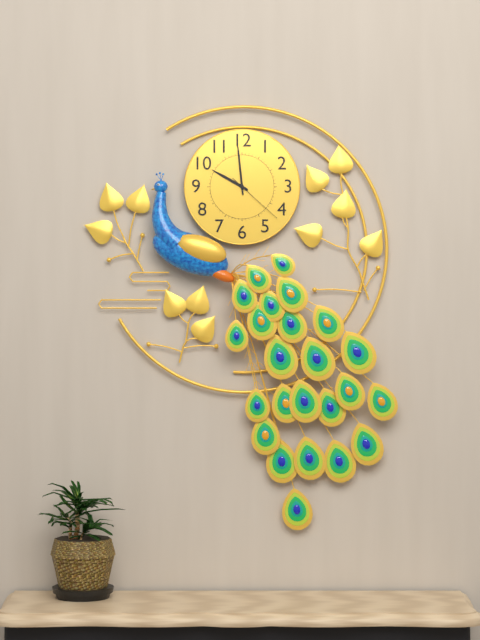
9h59m22s
